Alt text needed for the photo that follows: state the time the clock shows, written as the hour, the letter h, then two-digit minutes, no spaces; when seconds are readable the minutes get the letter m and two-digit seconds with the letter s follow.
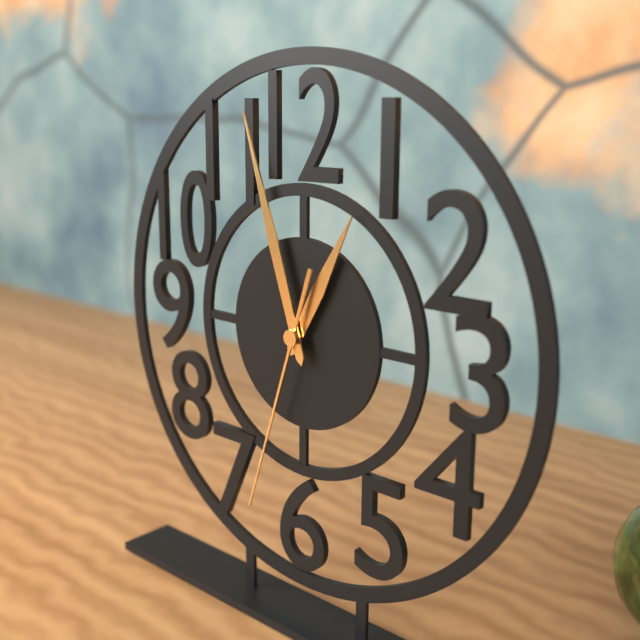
12h57m33s
